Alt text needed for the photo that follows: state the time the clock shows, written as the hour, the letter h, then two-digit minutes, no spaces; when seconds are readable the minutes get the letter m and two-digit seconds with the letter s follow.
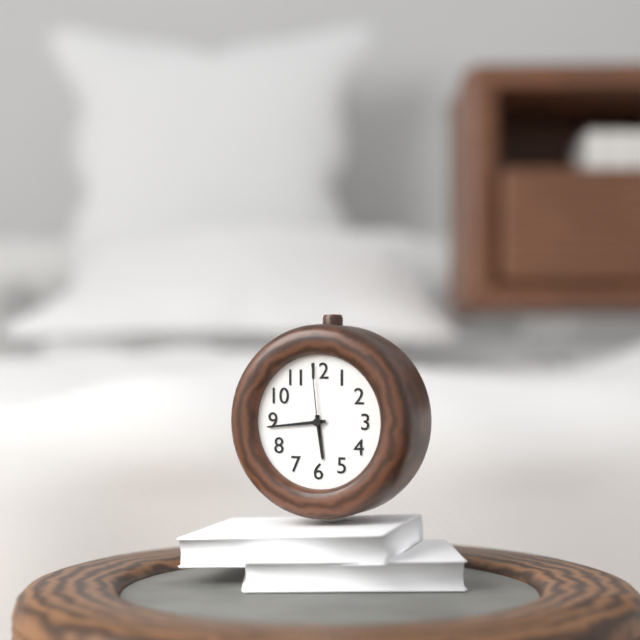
5h44m59s
